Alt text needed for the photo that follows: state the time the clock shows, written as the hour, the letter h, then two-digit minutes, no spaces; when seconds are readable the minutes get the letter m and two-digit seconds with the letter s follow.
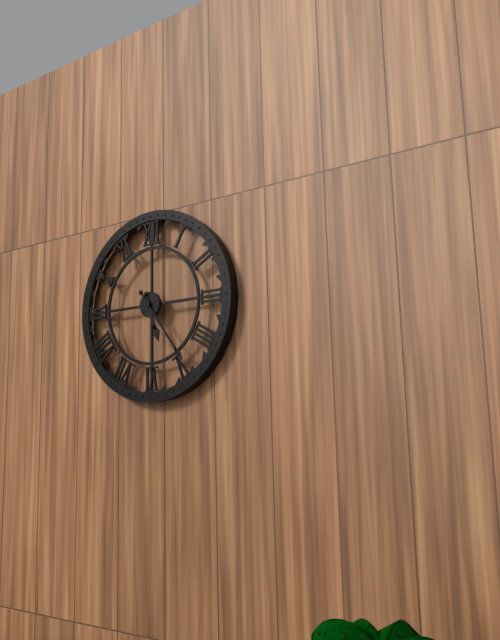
5h24
